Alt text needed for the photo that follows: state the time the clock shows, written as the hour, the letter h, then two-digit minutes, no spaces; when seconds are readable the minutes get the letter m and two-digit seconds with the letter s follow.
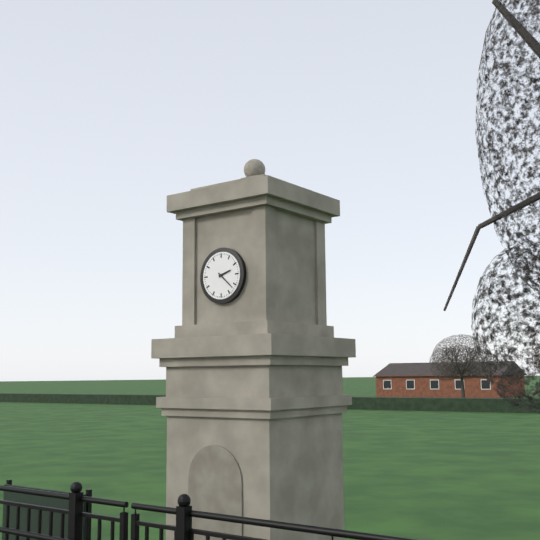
2h22
